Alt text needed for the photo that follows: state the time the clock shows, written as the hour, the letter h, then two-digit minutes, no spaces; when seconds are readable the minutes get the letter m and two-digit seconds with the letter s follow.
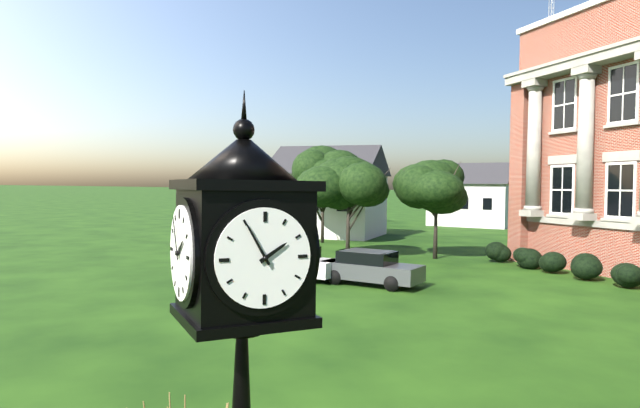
1h55
